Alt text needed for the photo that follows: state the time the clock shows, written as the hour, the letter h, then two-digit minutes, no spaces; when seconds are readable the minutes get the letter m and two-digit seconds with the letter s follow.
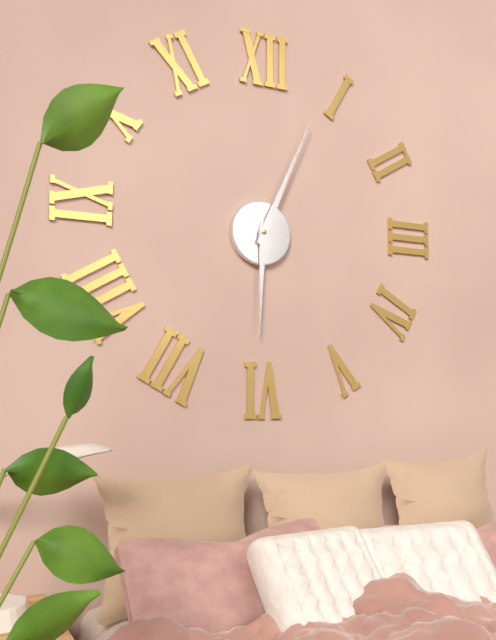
6h04
